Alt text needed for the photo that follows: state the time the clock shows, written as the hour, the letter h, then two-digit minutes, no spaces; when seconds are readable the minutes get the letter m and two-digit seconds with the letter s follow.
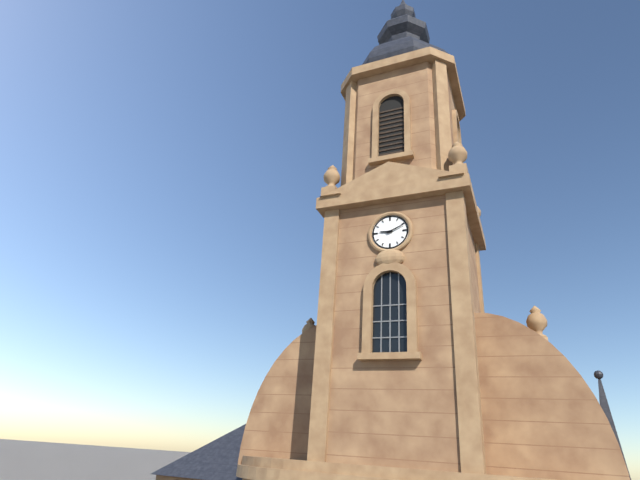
9h11
